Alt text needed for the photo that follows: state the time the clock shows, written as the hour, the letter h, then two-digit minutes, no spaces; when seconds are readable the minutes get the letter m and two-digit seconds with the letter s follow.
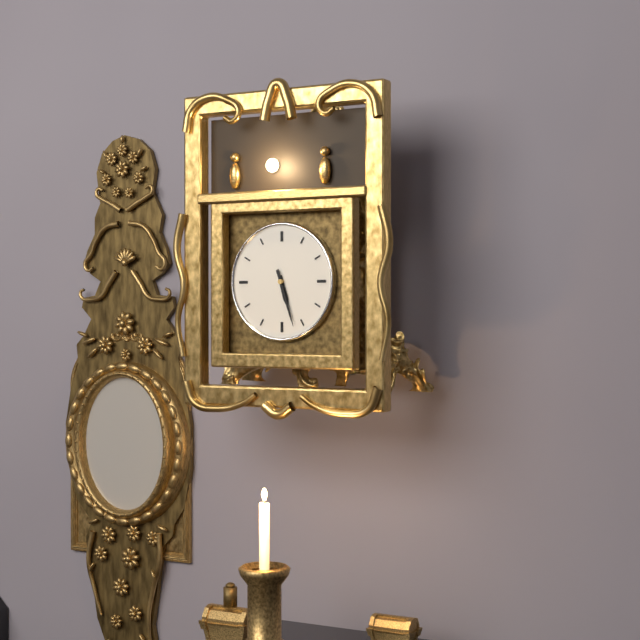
5h27
